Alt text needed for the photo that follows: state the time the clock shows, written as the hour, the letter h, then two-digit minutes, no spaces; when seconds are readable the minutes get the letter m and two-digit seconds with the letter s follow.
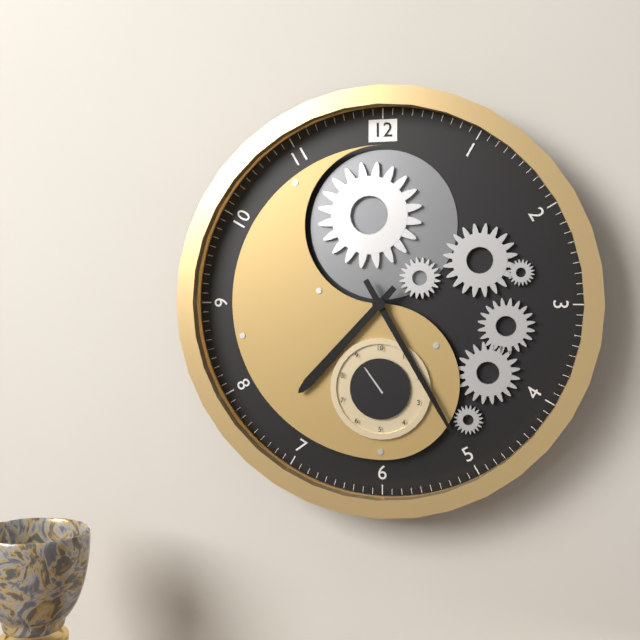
7h25
